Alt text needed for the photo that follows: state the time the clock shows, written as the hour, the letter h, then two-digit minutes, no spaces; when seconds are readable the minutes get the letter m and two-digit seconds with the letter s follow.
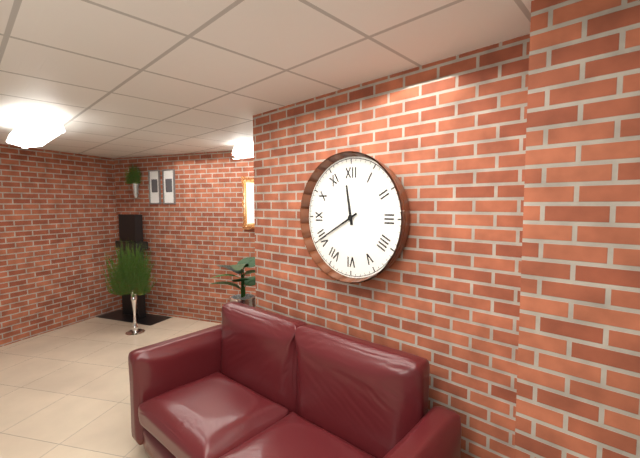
11h40
